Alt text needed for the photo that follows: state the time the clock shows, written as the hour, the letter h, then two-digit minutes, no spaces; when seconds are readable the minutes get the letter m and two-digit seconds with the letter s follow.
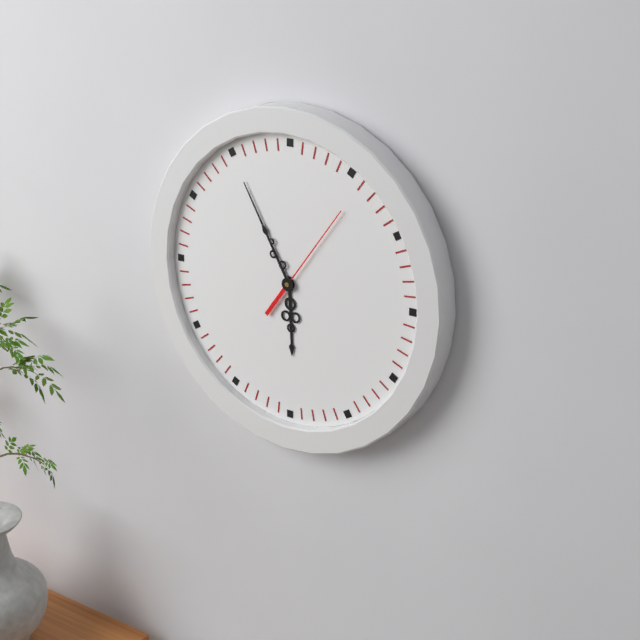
5h55m06s
